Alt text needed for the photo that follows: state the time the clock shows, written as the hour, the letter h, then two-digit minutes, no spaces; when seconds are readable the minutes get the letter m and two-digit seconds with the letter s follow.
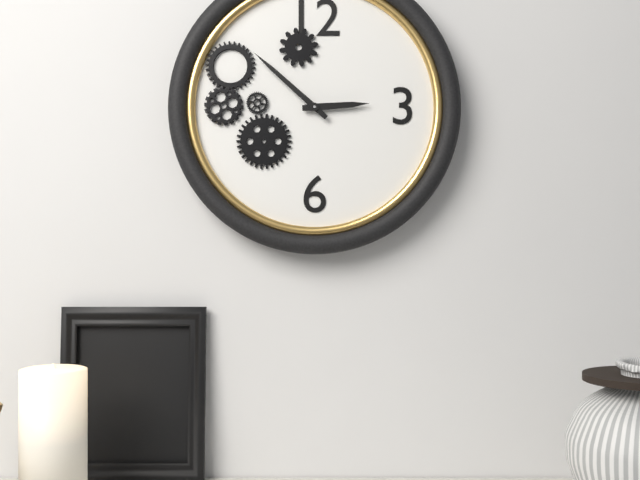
2h52
